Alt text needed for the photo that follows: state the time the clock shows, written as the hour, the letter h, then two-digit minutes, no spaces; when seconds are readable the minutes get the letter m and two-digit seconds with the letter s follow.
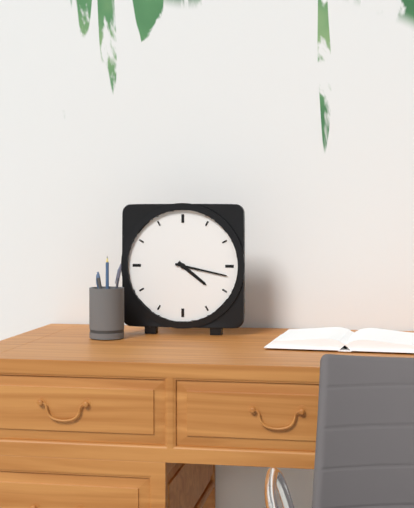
4h17
